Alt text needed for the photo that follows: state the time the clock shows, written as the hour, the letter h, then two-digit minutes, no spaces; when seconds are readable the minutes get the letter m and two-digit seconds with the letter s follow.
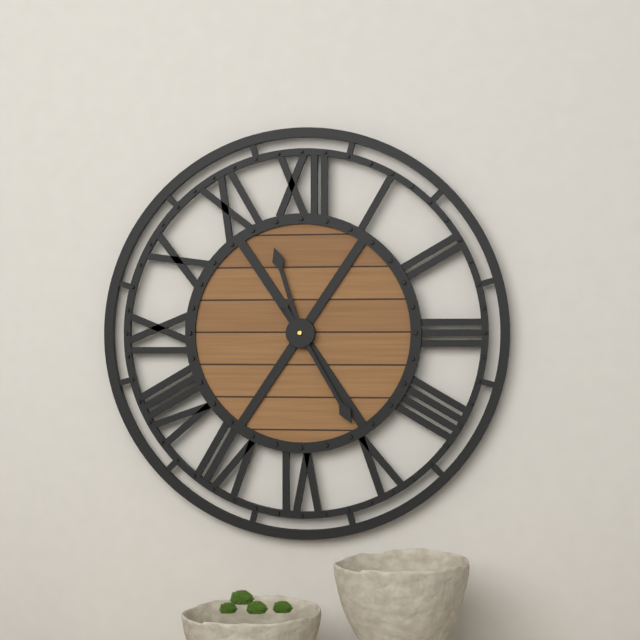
11h25
